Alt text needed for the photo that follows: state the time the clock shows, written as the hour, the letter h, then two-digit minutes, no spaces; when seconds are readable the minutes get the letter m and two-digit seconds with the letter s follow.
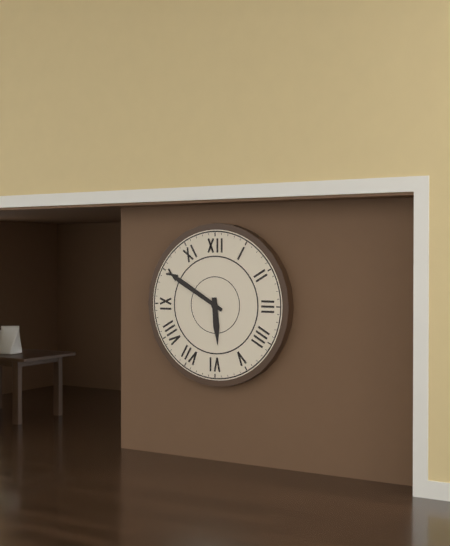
5h50
